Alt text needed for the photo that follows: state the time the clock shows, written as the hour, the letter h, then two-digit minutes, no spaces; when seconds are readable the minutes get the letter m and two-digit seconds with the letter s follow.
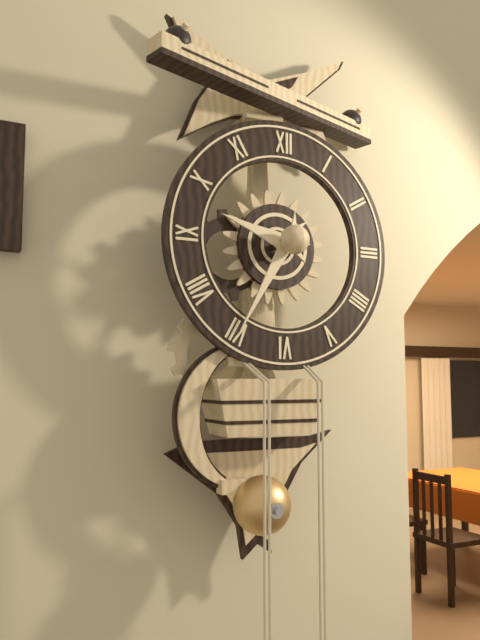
9h35
